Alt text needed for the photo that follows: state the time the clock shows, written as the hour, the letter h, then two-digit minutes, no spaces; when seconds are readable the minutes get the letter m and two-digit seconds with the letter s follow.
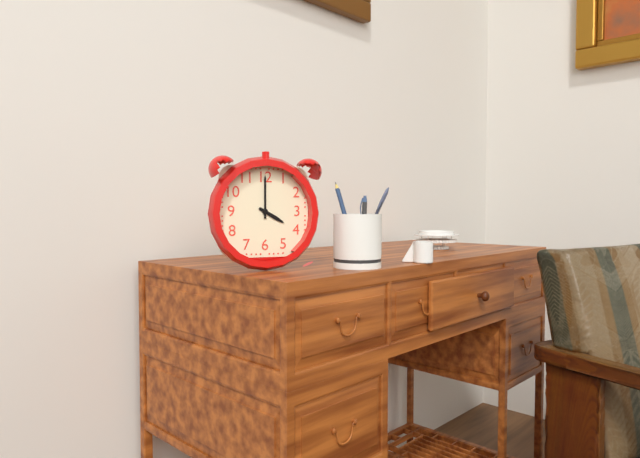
4h00
